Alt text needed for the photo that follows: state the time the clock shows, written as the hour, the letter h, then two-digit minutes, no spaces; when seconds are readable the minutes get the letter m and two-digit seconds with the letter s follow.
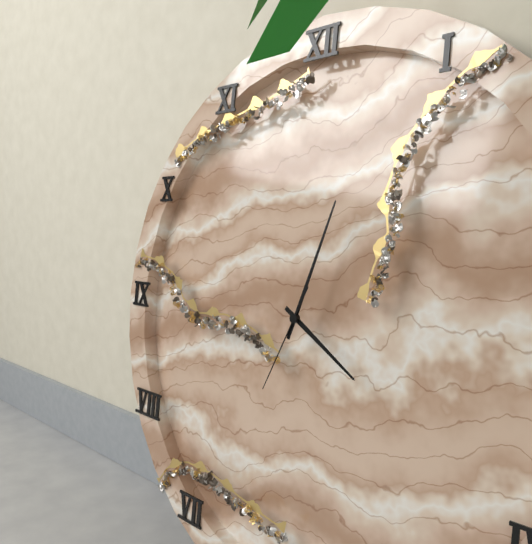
4h03m34s
